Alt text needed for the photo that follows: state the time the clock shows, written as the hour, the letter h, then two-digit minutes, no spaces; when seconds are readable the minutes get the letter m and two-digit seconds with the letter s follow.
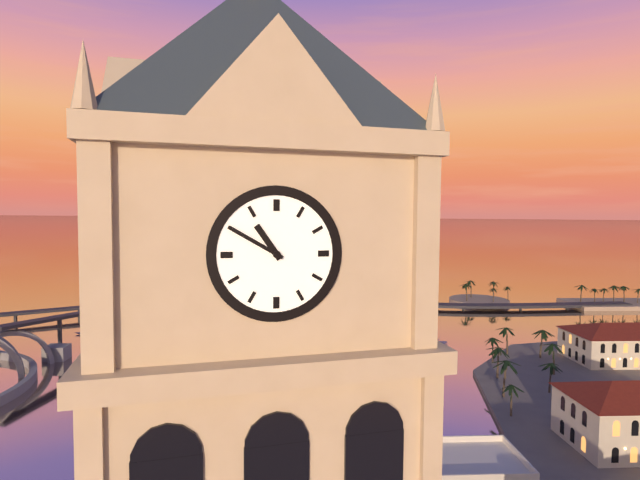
10h50
